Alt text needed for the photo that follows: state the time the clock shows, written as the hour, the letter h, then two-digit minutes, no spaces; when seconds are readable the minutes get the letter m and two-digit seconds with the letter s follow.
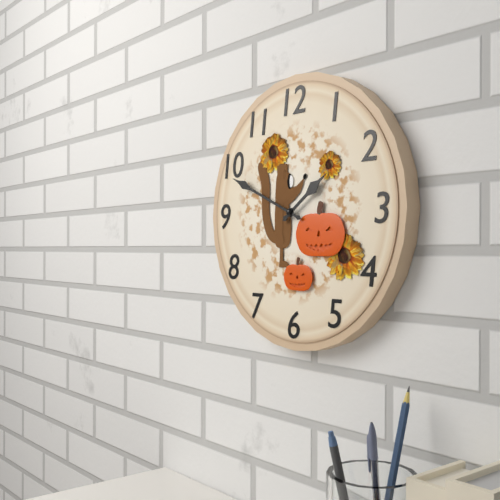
1h49
